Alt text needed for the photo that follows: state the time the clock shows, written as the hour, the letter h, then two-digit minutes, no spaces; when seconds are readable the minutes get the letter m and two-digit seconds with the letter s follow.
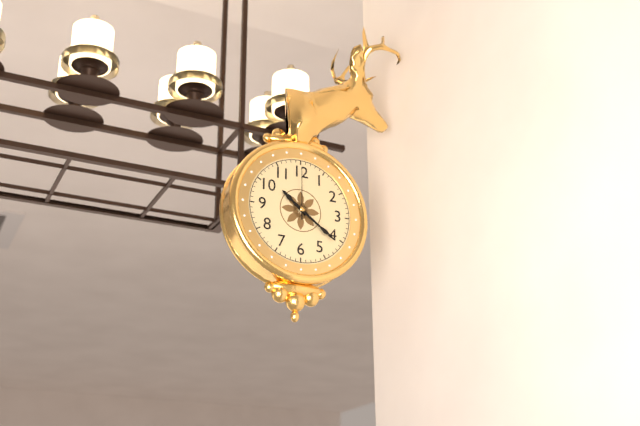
10h21m00s
